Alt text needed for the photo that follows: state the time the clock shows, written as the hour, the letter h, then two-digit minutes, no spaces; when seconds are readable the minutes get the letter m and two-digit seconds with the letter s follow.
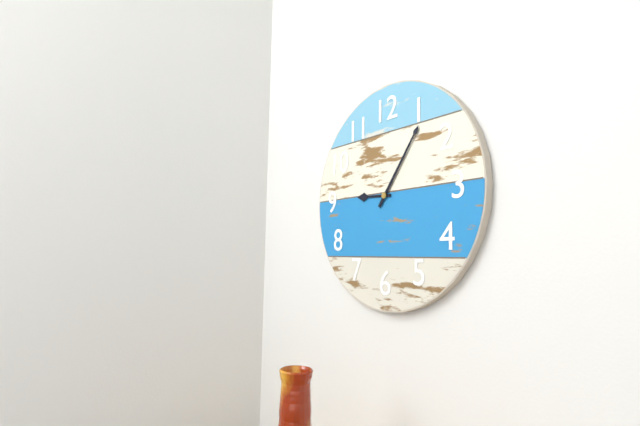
9h06
